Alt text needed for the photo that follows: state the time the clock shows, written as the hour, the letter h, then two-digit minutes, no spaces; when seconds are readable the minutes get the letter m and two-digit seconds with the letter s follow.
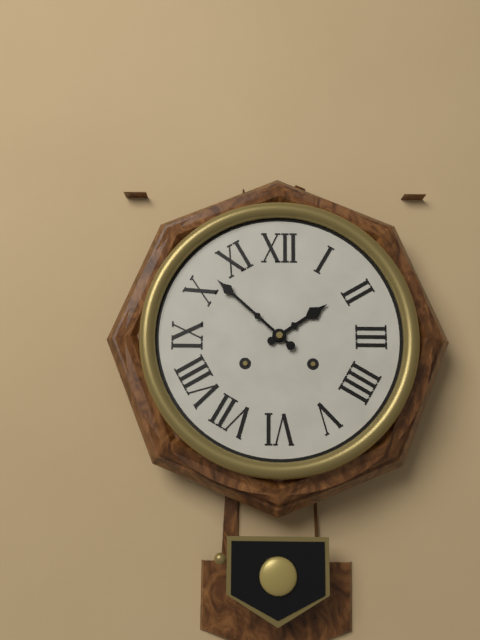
1h52
